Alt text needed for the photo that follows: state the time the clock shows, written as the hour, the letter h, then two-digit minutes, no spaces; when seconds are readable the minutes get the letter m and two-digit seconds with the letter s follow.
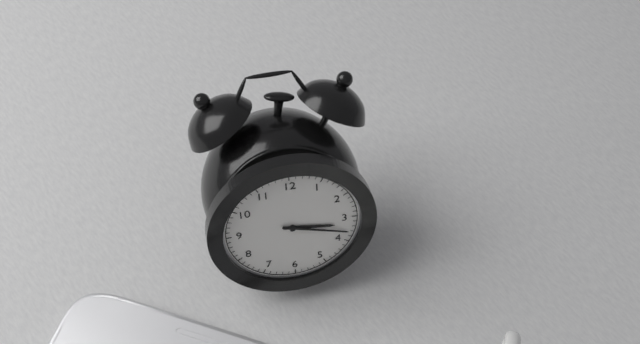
3h18
